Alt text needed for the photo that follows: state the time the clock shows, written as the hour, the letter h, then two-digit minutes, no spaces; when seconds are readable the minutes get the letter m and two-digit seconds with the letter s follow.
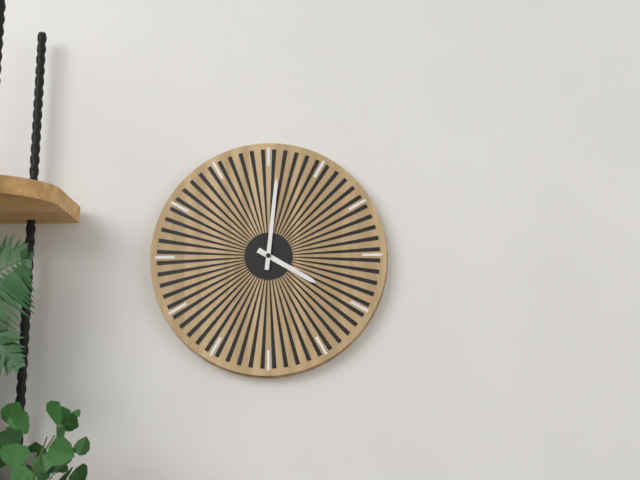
4h01
